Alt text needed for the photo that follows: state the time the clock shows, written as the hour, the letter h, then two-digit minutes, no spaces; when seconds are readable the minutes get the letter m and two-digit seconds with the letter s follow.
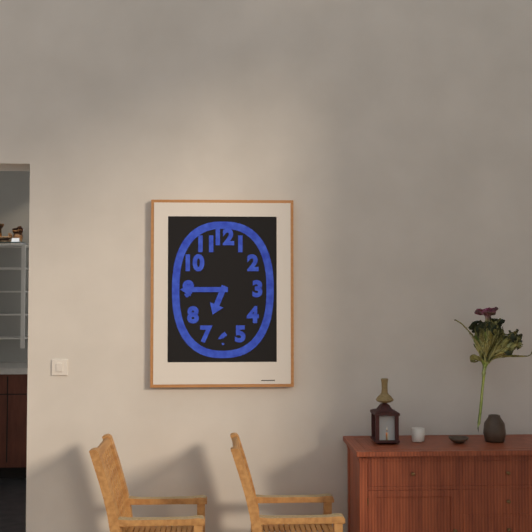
6h45
